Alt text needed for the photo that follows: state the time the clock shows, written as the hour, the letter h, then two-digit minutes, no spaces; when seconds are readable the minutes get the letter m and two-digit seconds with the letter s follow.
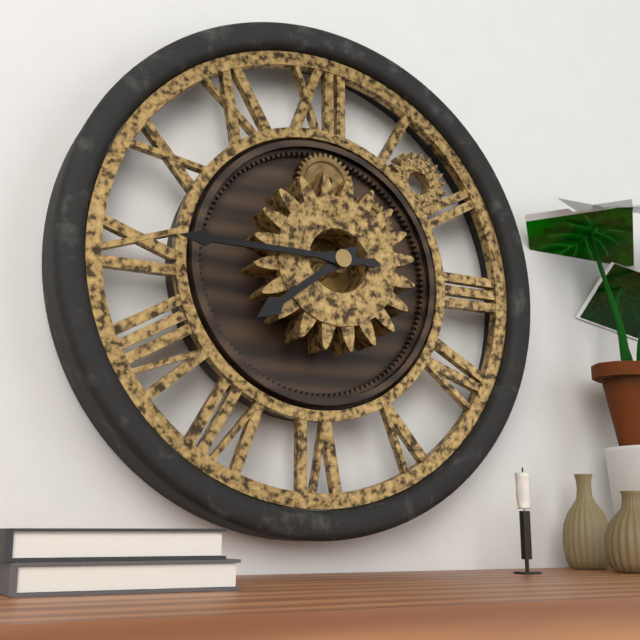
7h45
